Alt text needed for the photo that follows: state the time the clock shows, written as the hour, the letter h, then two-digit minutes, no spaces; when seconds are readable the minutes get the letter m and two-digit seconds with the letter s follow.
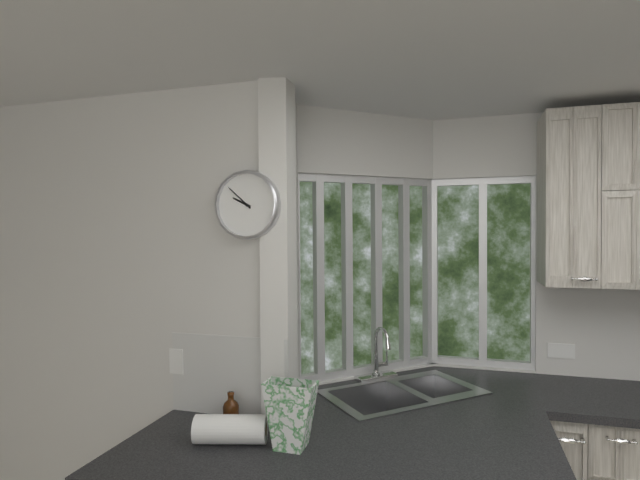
9h52
